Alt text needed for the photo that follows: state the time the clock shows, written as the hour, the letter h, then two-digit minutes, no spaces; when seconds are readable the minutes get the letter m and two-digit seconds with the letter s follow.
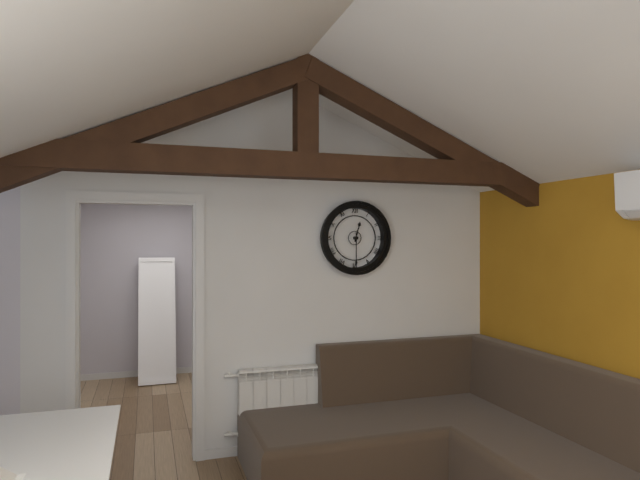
12h30
